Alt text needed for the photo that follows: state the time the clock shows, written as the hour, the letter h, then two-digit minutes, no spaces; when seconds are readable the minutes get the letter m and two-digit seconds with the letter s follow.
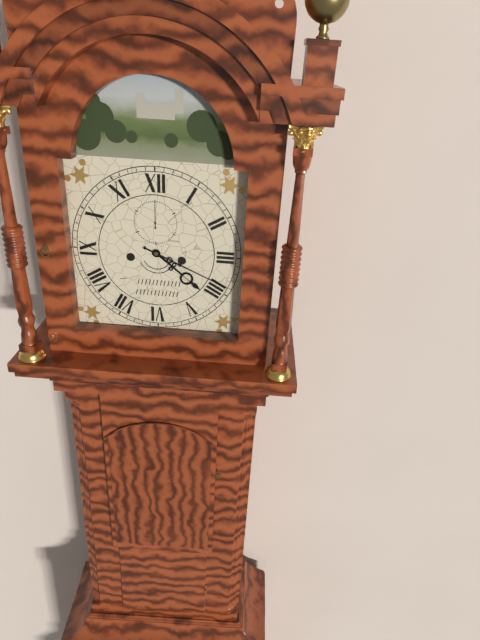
4h19
